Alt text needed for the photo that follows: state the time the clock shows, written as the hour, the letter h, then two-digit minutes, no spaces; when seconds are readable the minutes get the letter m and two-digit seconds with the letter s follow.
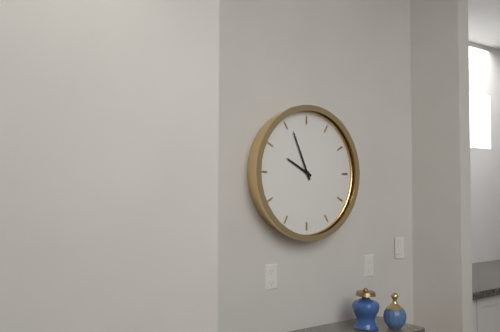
9h56
